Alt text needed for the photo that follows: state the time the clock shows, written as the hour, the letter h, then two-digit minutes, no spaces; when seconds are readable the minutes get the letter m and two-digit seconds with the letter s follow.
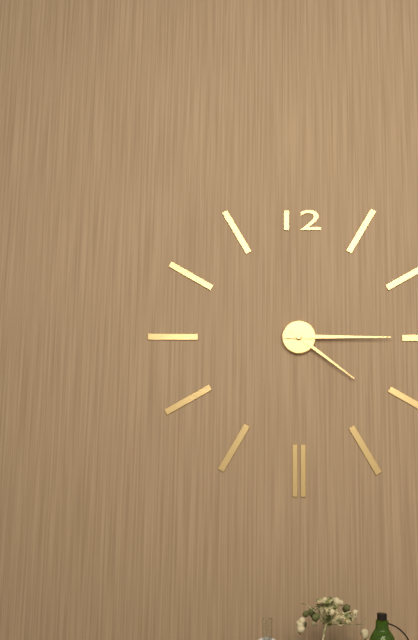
4h15
